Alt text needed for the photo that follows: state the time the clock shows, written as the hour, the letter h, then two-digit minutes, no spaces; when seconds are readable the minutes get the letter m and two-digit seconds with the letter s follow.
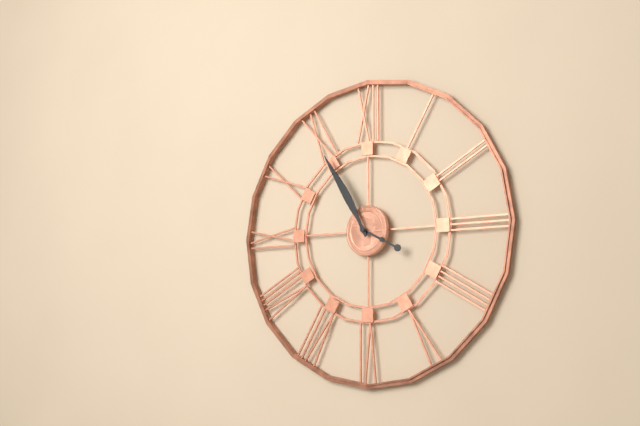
3h55
